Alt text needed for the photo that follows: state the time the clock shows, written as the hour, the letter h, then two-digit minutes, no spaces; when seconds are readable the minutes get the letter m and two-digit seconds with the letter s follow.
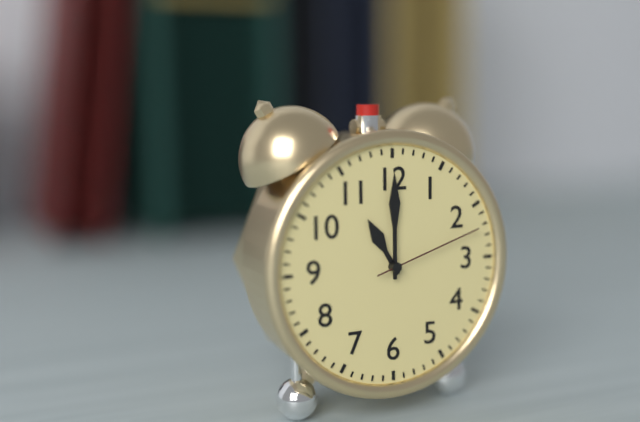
11h00m12s
